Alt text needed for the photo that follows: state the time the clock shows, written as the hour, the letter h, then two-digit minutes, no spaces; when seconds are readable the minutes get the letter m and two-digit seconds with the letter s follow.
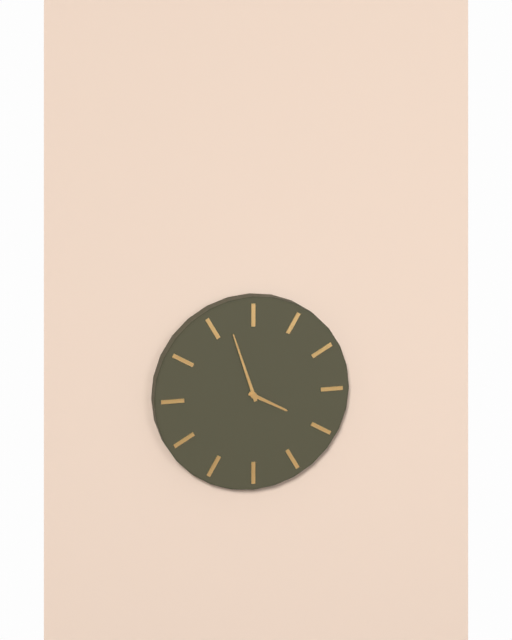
3h57
